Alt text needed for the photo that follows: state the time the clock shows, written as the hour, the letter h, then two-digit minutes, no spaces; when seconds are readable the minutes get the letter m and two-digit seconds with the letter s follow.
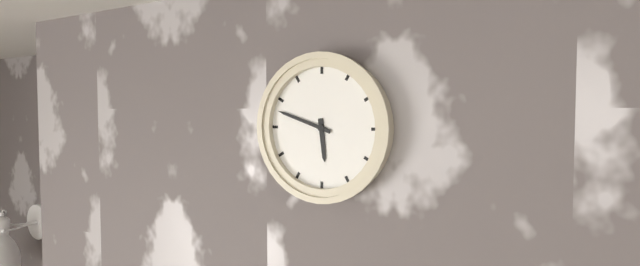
5h48
